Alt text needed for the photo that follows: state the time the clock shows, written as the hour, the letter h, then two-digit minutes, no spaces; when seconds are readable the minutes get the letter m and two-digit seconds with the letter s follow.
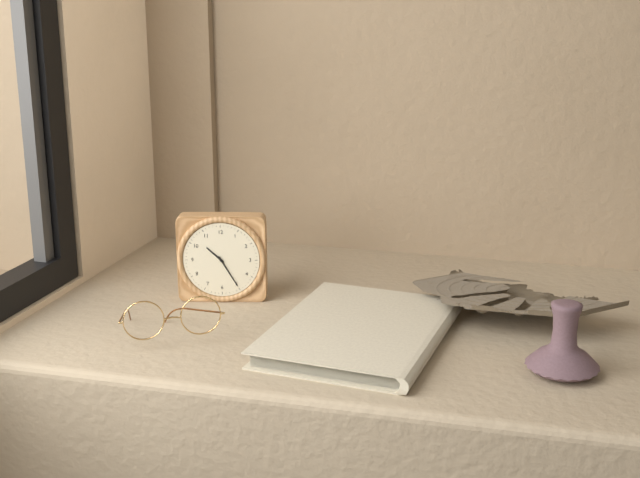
10h25
